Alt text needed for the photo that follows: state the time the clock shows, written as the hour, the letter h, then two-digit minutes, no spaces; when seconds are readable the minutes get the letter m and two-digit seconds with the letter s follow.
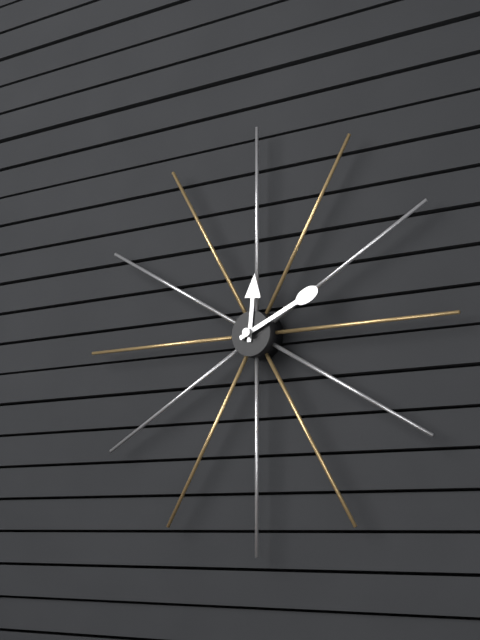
12h11
